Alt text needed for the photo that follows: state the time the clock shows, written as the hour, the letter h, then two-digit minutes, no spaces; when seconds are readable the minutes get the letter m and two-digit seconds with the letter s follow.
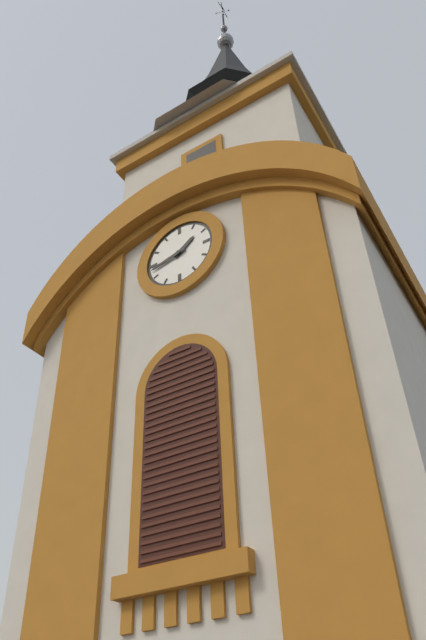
1h43
